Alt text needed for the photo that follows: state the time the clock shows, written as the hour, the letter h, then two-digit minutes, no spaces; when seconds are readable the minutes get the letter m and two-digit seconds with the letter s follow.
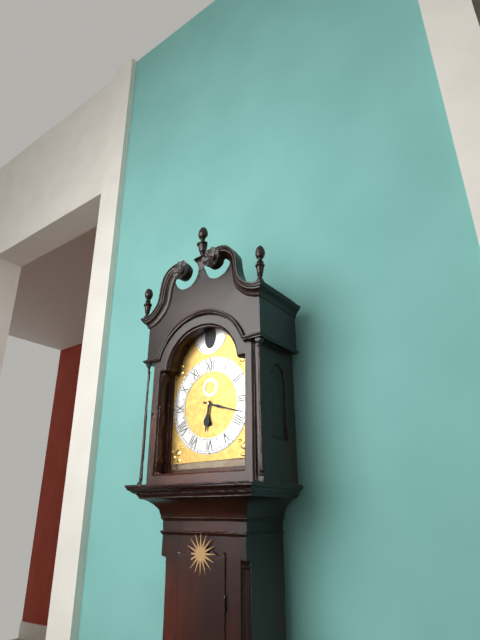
6h18
